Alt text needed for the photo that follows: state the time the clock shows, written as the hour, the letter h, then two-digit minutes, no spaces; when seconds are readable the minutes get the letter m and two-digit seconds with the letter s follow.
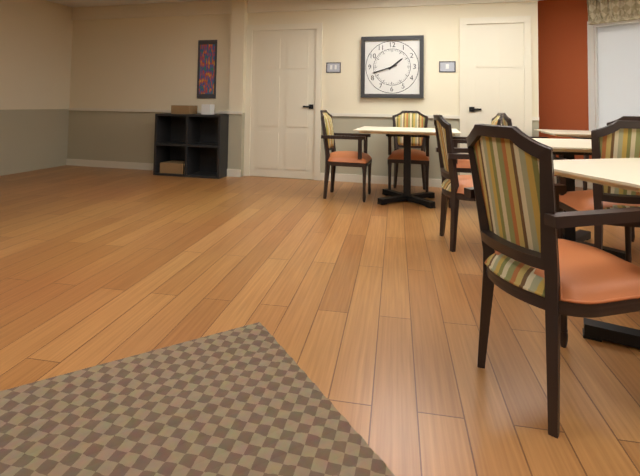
1h42
